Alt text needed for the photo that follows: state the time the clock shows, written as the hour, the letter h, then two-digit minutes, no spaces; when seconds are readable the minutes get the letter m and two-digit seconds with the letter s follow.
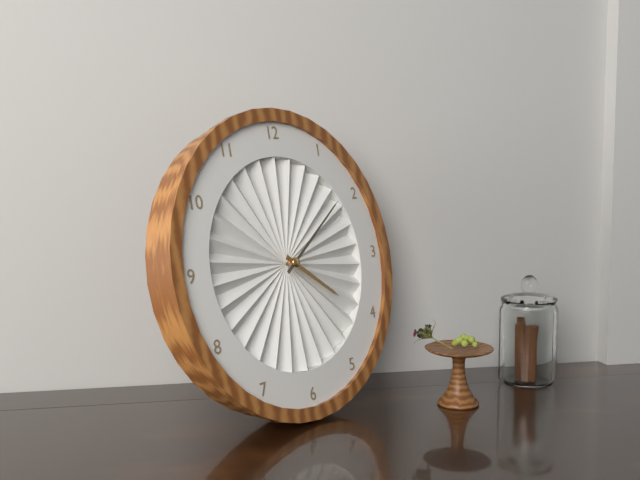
4h09
